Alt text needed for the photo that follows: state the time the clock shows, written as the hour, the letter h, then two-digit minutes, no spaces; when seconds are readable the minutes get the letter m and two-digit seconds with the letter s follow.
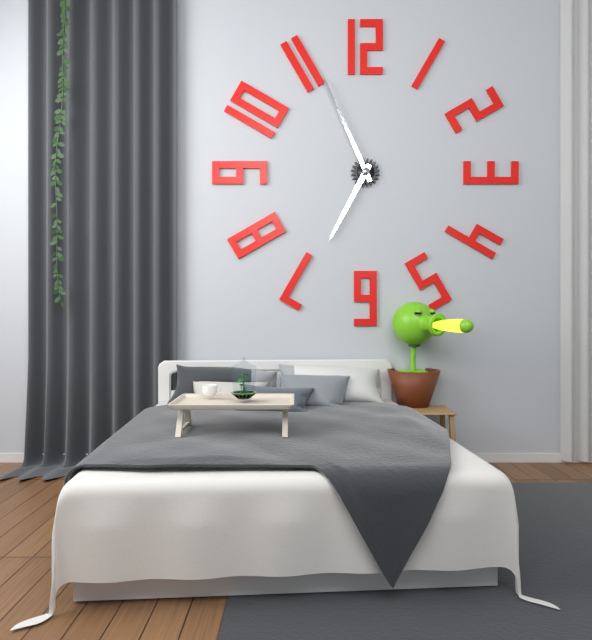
6h56
